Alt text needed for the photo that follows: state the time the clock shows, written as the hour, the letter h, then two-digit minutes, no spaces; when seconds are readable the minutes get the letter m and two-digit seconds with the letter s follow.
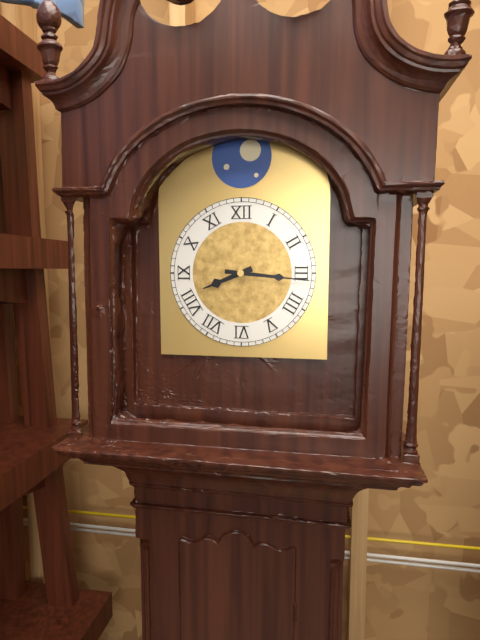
8h16
